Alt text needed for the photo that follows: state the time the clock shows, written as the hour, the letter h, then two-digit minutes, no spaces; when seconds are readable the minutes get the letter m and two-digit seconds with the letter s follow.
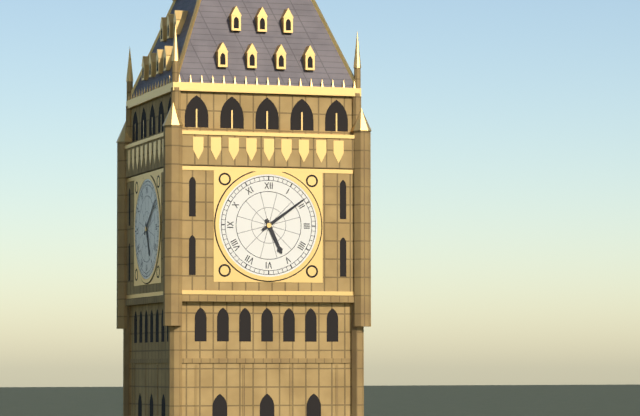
5h09
